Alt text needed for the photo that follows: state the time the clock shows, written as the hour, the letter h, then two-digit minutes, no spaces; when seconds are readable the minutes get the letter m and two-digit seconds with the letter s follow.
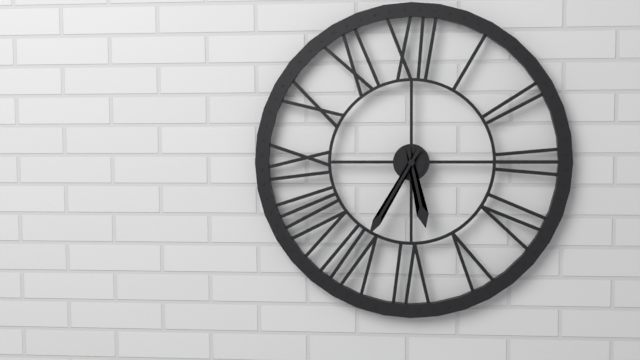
5h35
